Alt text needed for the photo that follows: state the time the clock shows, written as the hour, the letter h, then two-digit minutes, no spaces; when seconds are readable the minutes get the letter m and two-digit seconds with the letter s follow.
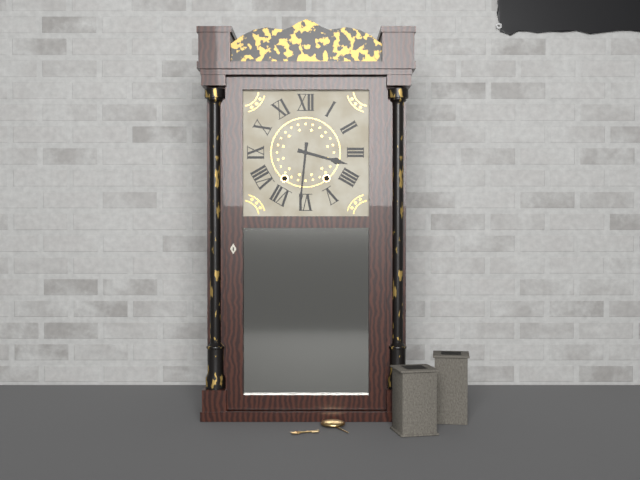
3h31
